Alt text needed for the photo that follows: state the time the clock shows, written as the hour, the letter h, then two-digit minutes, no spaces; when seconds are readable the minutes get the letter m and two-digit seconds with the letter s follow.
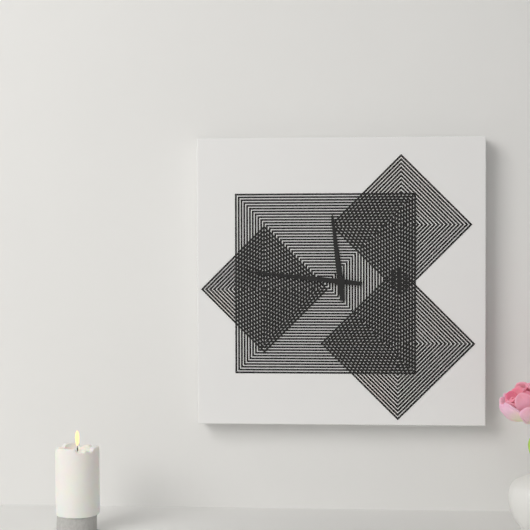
11h46
